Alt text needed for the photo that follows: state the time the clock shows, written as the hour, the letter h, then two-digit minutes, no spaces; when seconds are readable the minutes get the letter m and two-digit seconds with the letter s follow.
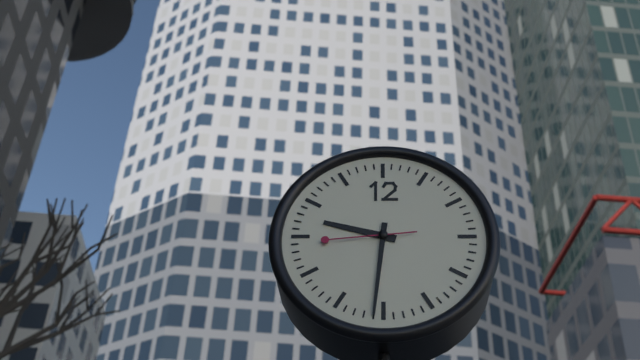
9h31m44s
